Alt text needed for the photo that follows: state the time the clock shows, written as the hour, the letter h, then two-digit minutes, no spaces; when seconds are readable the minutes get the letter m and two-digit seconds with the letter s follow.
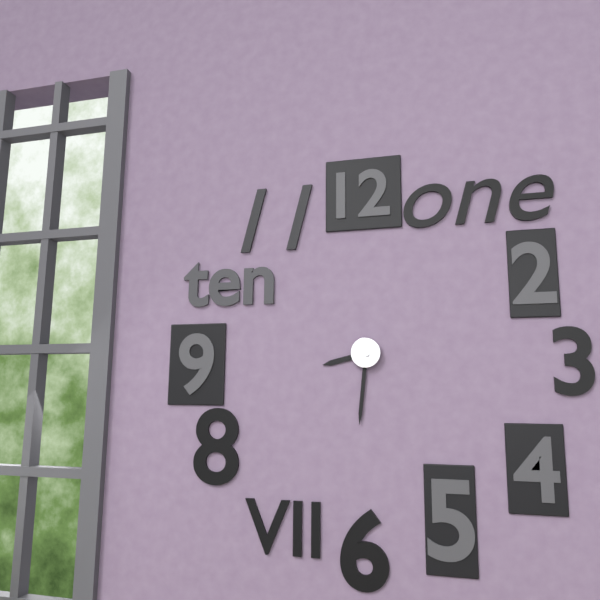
8h31
